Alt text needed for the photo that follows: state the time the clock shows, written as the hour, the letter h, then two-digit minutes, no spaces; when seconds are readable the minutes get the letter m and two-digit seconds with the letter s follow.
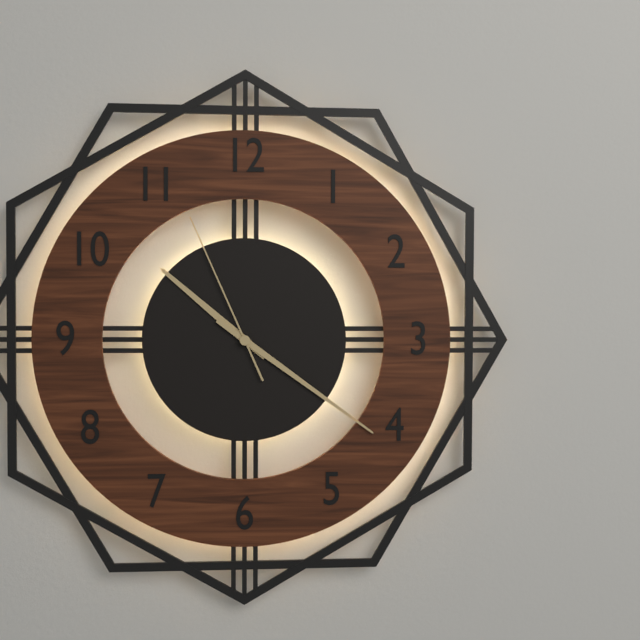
10h21m56s
